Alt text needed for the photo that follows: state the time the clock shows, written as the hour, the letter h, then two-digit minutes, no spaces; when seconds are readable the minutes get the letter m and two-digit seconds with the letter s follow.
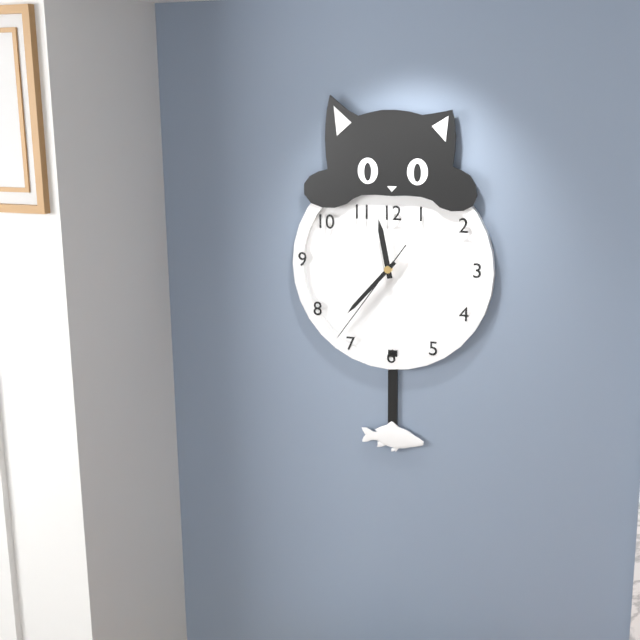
11h37m36s
